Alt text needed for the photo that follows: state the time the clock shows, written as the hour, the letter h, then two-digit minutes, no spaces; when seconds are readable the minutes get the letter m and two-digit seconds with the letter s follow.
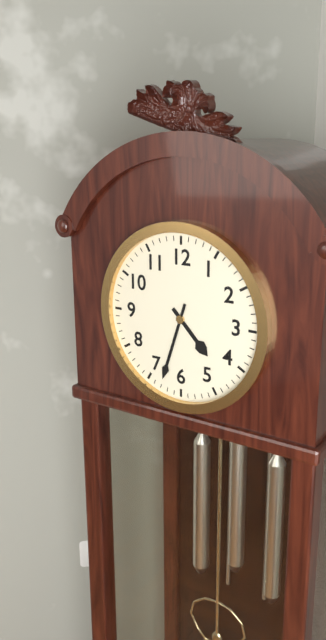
4h33
